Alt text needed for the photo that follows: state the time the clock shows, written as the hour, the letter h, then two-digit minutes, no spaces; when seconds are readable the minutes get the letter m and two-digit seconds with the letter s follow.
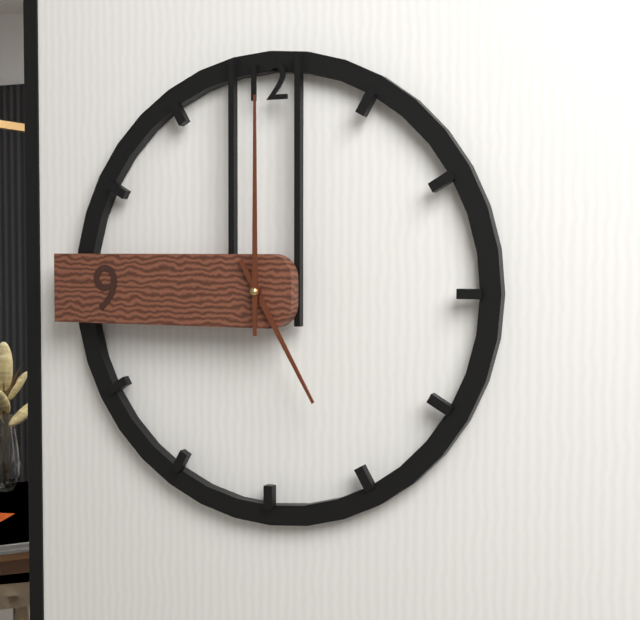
5h00
